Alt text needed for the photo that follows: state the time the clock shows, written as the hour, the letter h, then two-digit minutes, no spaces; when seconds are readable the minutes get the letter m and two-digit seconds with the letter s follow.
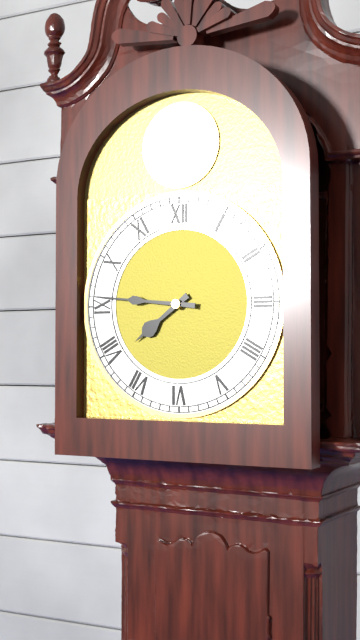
7h46
